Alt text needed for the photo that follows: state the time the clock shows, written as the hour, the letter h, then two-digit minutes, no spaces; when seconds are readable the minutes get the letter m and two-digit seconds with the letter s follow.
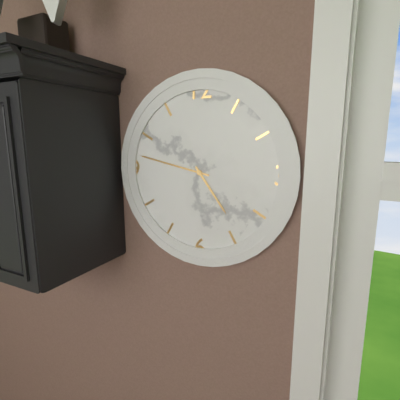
4h47
